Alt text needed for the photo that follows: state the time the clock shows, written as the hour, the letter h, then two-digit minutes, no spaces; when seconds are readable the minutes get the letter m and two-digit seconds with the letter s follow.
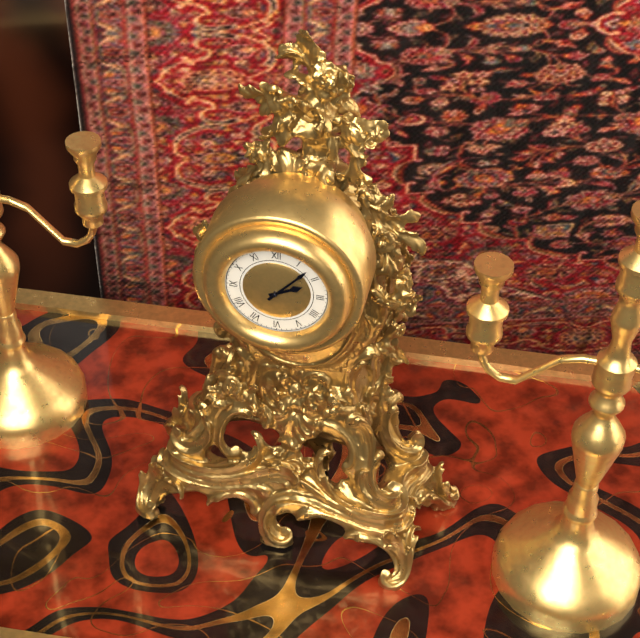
2h07
